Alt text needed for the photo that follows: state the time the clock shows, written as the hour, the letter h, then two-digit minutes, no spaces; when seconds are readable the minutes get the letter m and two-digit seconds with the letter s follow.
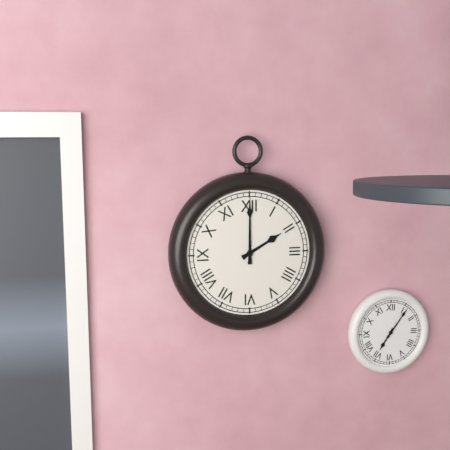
2h00
